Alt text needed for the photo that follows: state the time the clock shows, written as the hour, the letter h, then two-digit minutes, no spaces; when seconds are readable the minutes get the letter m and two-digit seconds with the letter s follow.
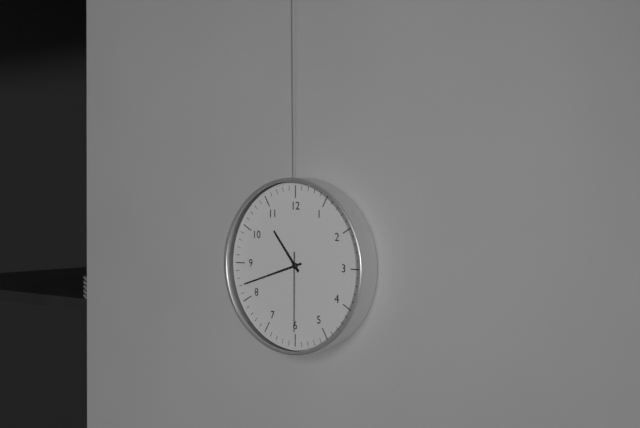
10h42m30s
